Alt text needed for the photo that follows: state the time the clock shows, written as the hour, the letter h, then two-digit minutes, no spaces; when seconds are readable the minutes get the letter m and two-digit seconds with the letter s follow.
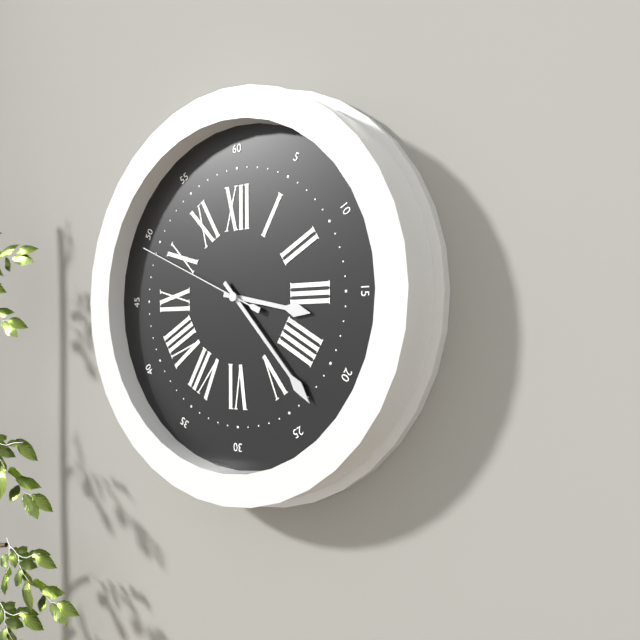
3h23m49s
